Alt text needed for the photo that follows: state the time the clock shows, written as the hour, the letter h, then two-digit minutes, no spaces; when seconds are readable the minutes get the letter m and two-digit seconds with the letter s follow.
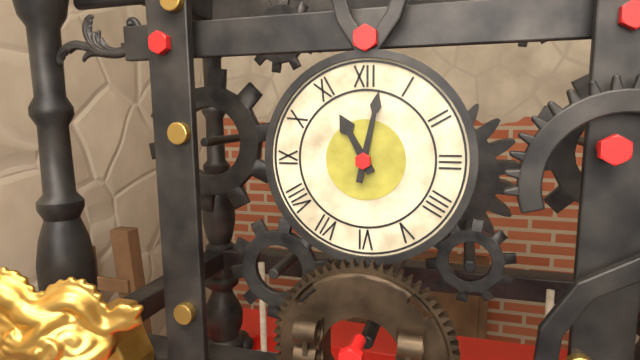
11h02
